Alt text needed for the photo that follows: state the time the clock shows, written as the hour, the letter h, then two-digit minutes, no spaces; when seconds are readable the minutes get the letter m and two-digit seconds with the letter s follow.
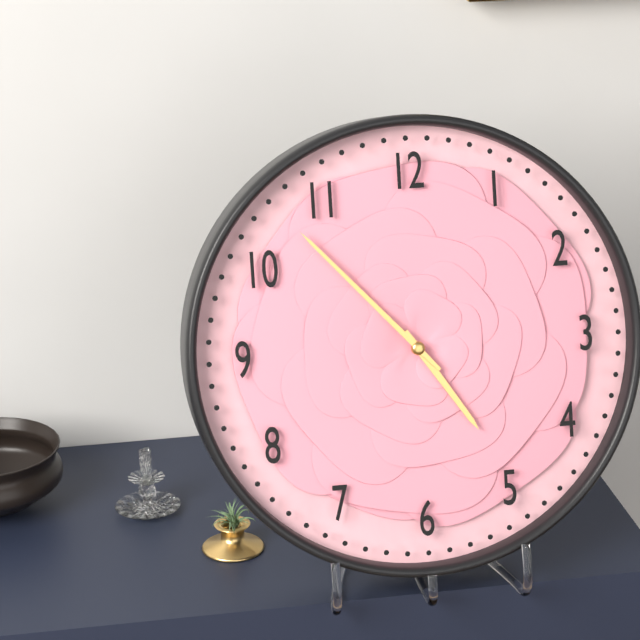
4h53
